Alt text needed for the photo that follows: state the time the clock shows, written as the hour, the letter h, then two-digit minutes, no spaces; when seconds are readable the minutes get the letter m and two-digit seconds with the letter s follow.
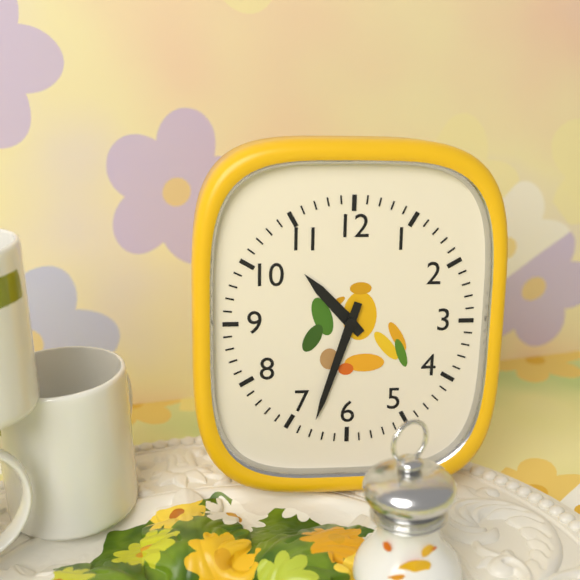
10h33
